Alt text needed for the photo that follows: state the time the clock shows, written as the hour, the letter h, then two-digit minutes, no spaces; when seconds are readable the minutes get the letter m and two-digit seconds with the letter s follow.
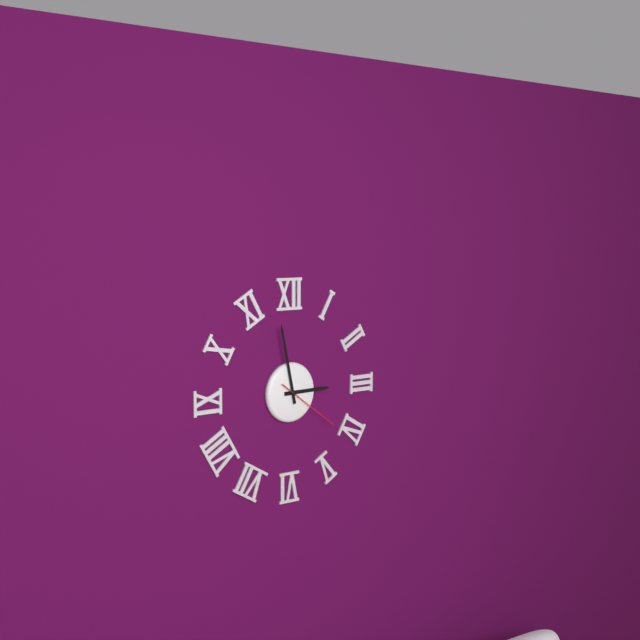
2h58m21s
